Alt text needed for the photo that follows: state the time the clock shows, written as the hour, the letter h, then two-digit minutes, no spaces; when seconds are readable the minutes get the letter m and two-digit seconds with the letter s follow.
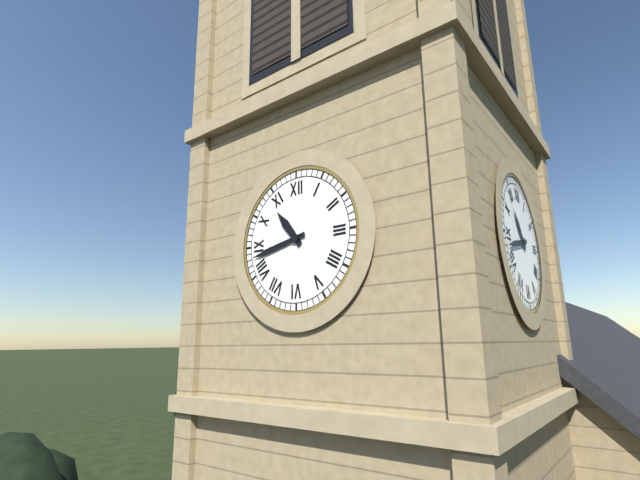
10h43
